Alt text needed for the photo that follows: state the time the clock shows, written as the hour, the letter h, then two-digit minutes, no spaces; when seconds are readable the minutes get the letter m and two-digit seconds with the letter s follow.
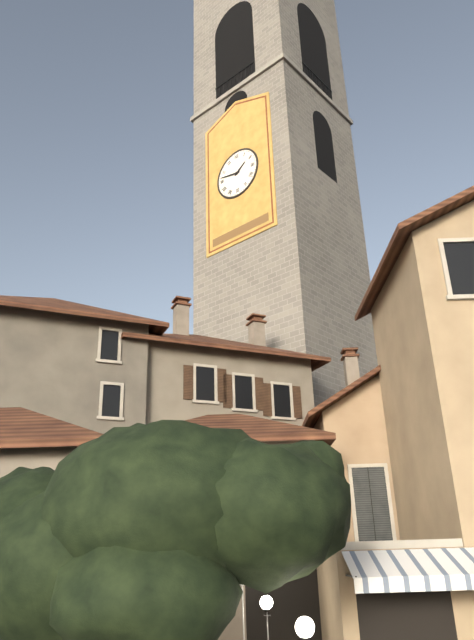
1h47
